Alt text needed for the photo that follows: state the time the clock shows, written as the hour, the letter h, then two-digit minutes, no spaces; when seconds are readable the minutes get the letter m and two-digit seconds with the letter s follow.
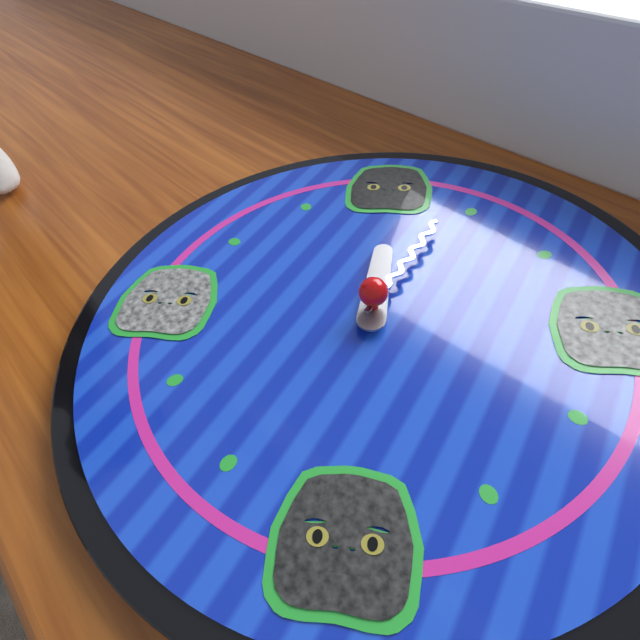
12h04
